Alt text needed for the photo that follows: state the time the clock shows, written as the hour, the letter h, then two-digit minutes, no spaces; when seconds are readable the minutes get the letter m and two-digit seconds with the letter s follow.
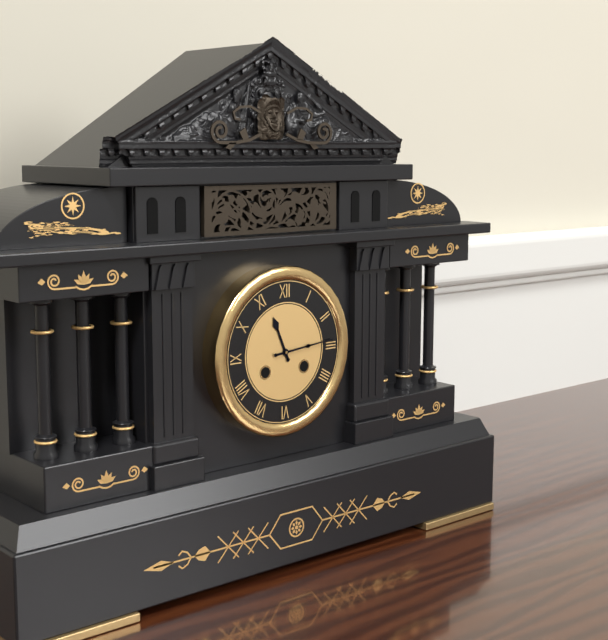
11h14
